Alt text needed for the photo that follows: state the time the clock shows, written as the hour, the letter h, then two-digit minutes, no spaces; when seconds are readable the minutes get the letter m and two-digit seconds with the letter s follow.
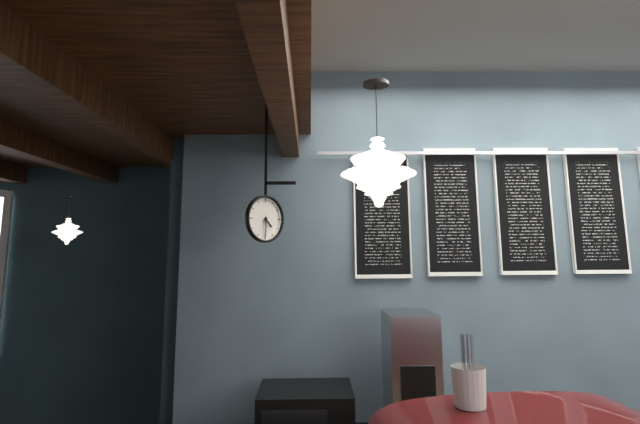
4h30
